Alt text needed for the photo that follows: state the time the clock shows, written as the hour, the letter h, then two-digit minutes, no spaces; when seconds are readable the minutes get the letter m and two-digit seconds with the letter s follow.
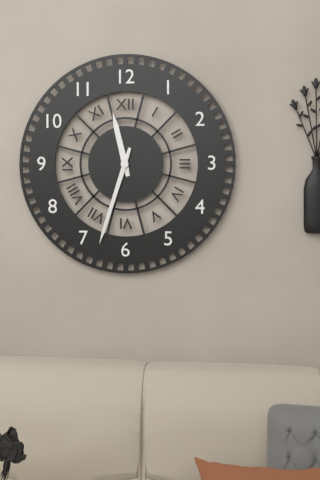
11h33
